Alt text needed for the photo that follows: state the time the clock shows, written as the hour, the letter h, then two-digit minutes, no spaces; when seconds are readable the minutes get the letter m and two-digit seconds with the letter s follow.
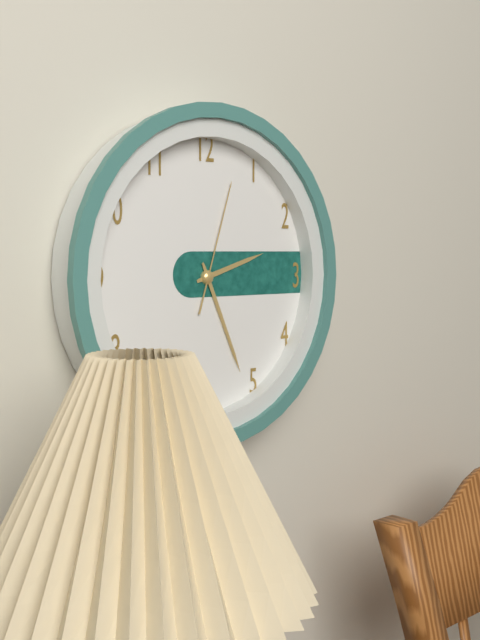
2h26m03s
